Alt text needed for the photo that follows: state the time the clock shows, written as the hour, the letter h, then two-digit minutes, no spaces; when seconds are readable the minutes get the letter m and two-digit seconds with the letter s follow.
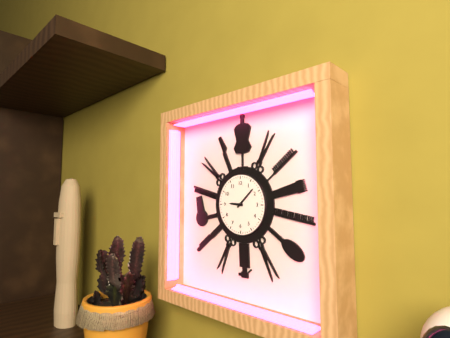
9h08
